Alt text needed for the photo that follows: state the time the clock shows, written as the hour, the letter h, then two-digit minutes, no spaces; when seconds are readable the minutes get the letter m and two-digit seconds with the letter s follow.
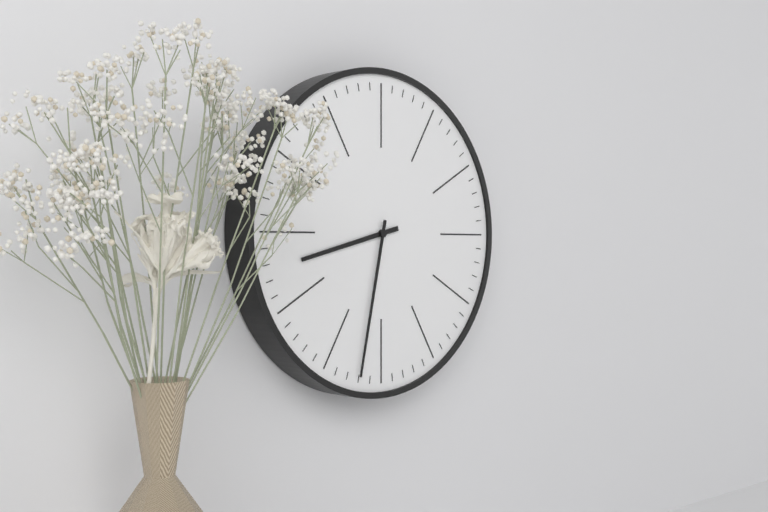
8h32
